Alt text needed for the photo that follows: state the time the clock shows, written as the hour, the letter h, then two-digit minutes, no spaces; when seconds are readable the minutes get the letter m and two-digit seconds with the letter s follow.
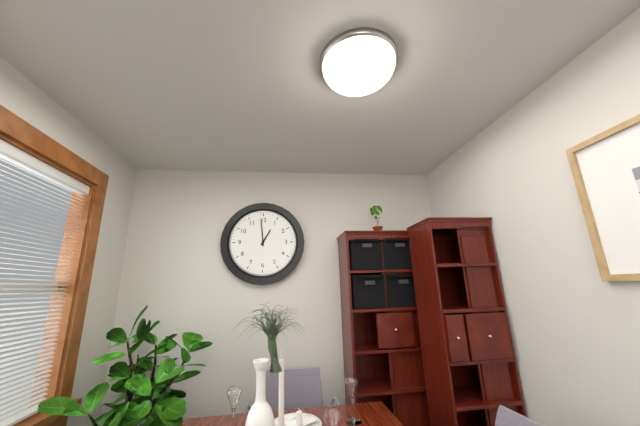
12h59
